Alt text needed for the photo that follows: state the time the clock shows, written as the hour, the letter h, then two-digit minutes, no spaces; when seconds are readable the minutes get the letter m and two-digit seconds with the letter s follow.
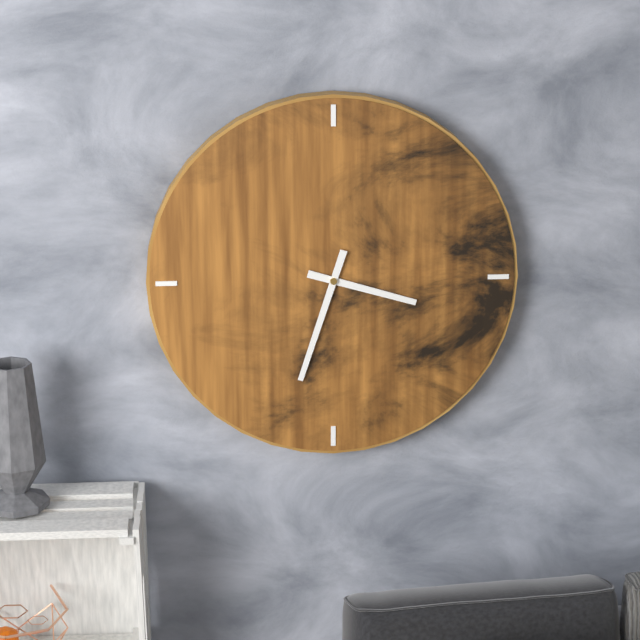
3h33
